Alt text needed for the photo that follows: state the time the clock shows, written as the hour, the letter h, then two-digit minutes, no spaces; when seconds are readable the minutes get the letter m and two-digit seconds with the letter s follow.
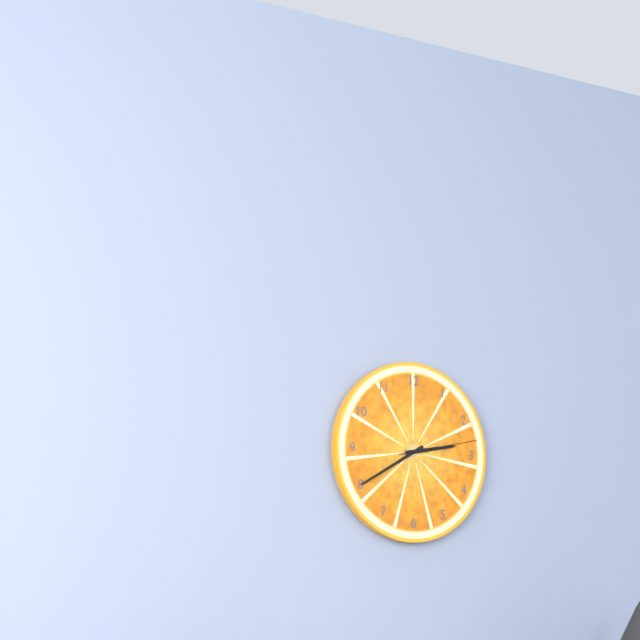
2h40m13s
